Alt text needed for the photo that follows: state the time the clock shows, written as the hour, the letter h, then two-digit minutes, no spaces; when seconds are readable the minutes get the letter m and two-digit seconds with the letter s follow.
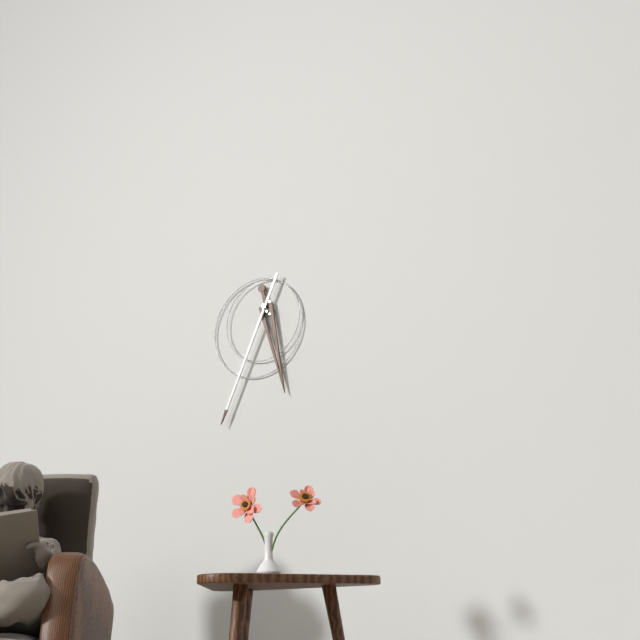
5h34
